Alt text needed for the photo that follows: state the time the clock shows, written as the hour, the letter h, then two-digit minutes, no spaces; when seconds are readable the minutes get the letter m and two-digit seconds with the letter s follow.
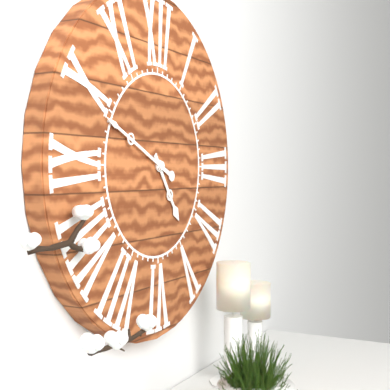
4h49
